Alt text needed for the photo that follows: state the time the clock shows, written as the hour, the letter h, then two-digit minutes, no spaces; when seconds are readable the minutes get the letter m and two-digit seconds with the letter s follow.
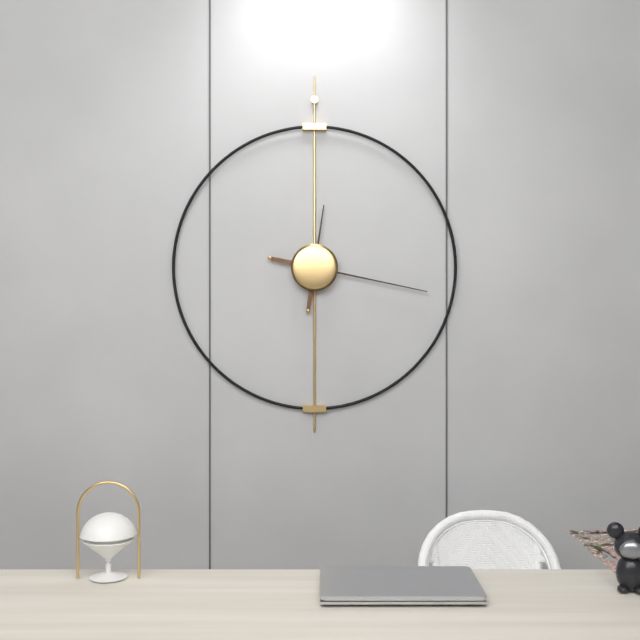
12h17
